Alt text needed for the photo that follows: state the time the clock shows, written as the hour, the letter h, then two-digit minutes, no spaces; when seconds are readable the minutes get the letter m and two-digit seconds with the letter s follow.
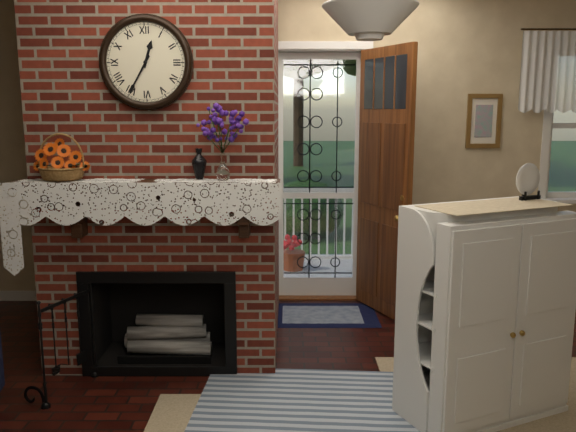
12h35
